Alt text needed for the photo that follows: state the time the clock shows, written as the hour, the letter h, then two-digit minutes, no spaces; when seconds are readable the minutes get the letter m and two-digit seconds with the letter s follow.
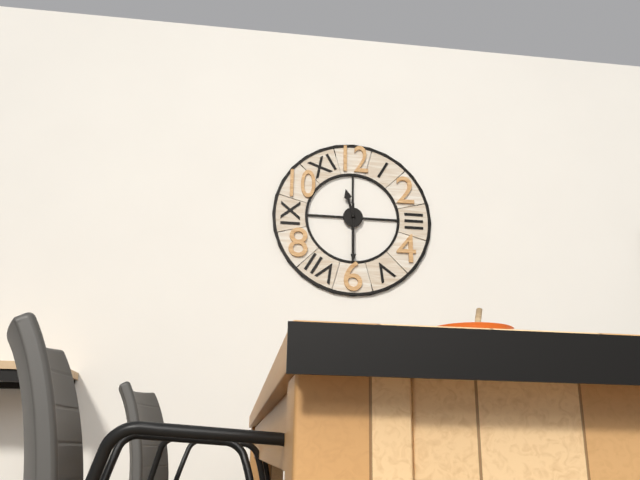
11h30
